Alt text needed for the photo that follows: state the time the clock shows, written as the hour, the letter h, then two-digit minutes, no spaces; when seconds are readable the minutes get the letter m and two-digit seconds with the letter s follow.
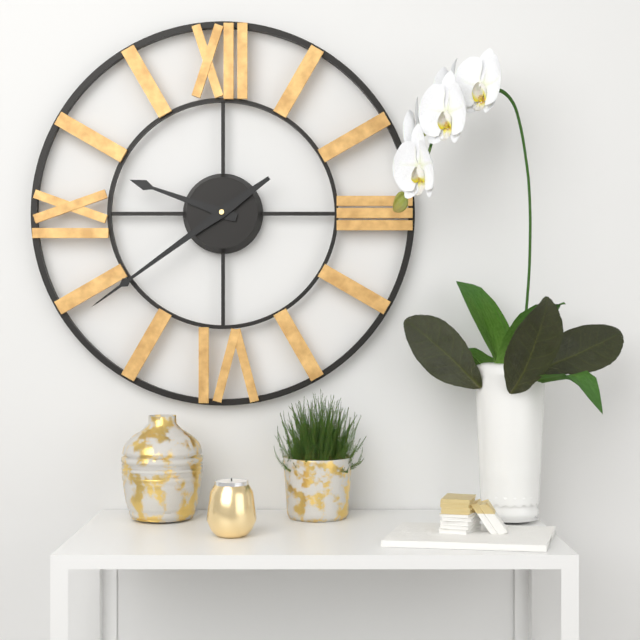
9h39
